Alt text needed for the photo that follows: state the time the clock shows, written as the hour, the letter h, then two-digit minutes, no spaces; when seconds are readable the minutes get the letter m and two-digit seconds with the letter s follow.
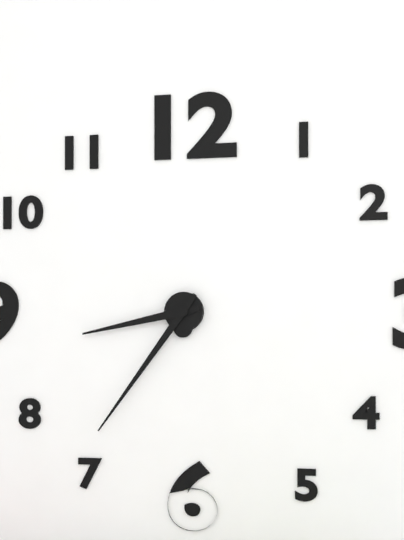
8h36
